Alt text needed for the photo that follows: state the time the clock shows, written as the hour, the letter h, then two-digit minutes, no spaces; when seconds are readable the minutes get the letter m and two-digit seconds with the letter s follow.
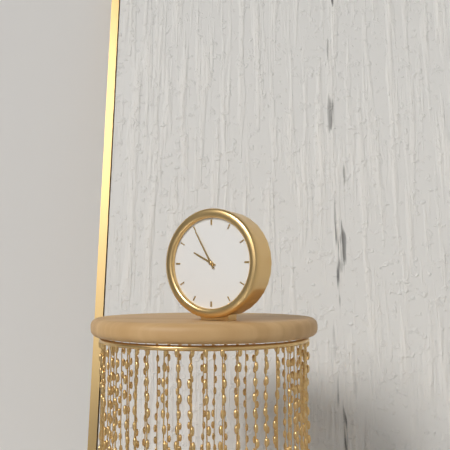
9h55
